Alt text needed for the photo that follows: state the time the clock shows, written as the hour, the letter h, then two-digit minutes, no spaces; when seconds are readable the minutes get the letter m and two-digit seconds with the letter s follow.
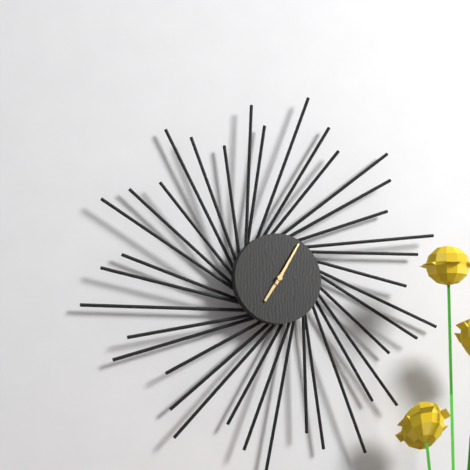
7h05
